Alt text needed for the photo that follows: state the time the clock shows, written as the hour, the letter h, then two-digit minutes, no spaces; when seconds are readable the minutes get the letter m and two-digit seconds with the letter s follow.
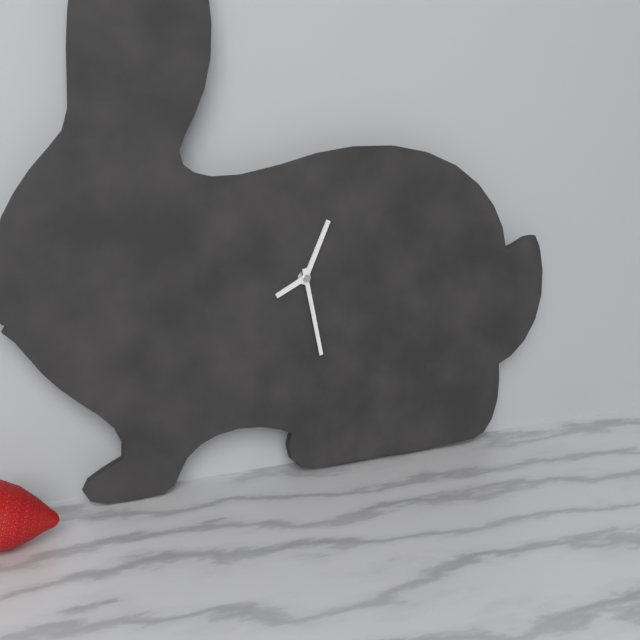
8h04m28s
